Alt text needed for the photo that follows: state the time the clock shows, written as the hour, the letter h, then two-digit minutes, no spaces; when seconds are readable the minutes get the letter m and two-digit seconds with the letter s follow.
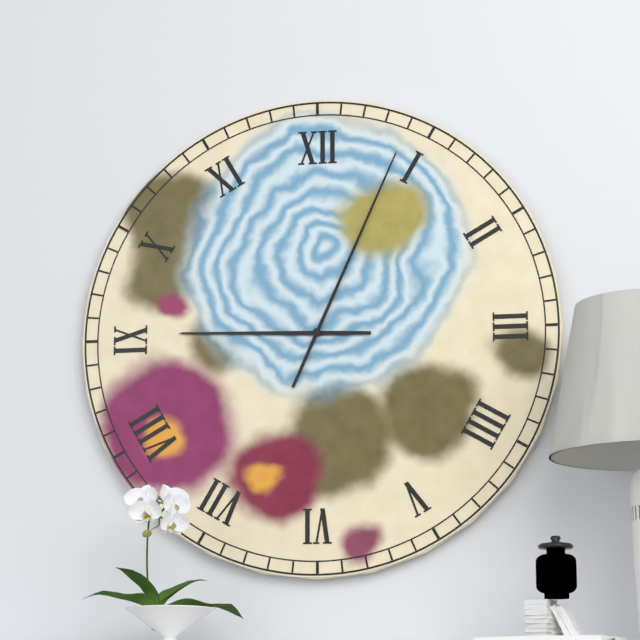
9h04
